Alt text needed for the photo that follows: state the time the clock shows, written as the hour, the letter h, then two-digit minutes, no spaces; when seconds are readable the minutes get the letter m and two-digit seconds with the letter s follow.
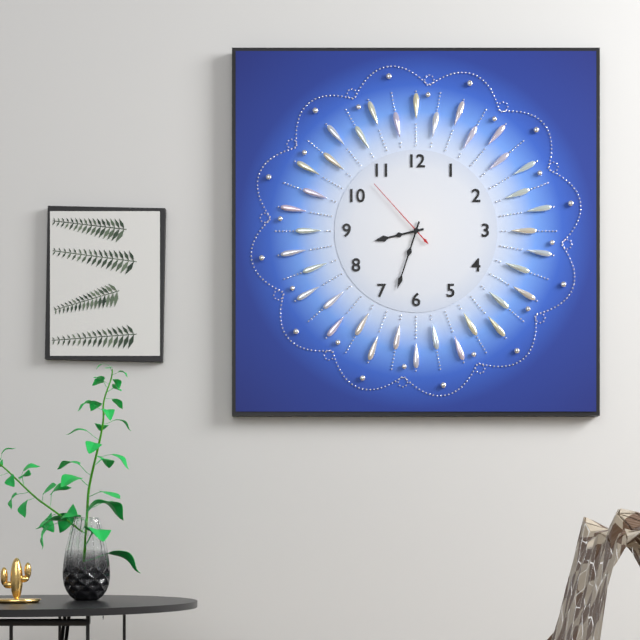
8h33m53s
